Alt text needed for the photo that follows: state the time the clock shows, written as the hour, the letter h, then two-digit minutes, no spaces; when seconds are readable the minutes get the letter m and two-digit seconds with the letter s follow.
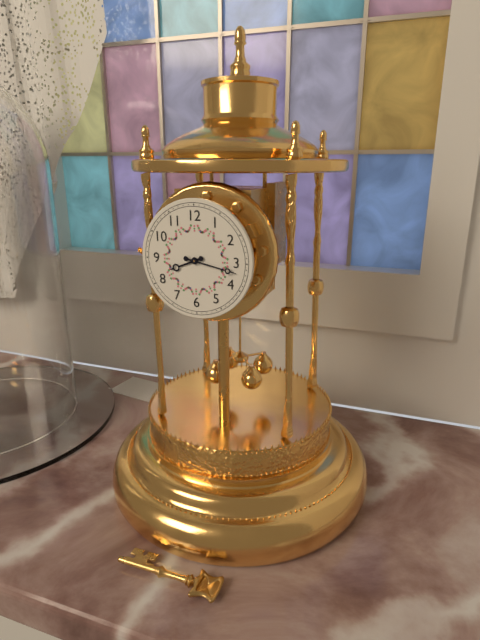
8h17
